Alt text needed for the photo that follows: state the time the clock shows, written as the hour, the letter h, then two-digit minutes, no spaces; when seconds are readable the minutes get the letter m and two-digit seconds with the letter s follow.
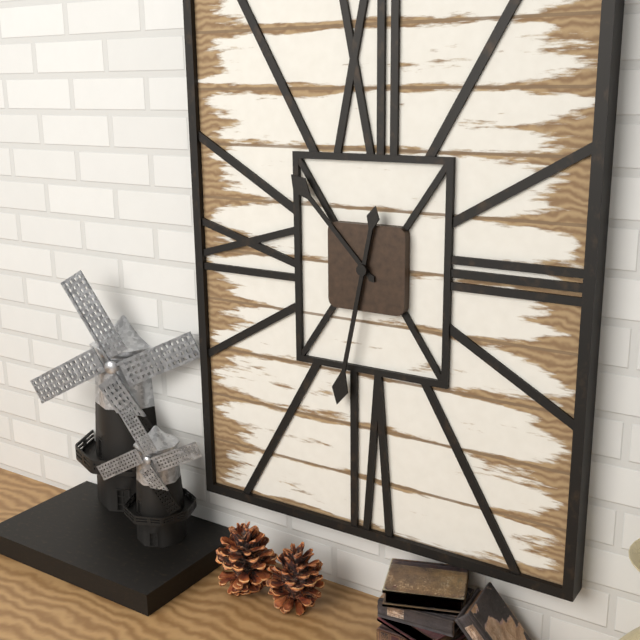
10h32
